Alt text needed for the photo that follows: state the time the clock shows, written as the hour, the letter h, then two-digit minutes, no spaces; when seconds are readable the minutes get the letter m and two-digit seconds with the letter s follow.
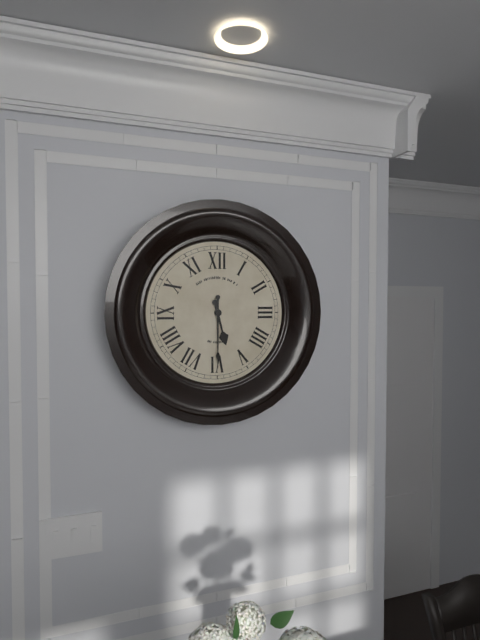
5h30
